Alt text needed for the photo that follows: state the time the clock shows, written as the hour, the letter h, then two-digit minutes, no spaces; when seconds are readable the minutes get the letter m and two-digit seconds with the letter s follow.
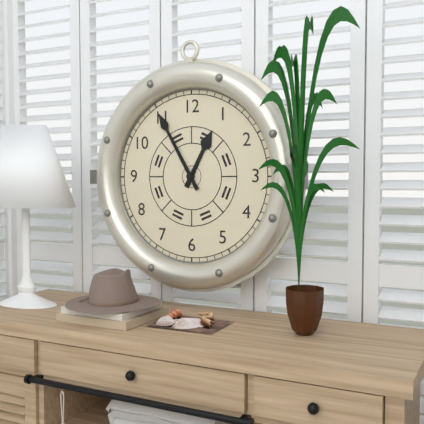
12h55
